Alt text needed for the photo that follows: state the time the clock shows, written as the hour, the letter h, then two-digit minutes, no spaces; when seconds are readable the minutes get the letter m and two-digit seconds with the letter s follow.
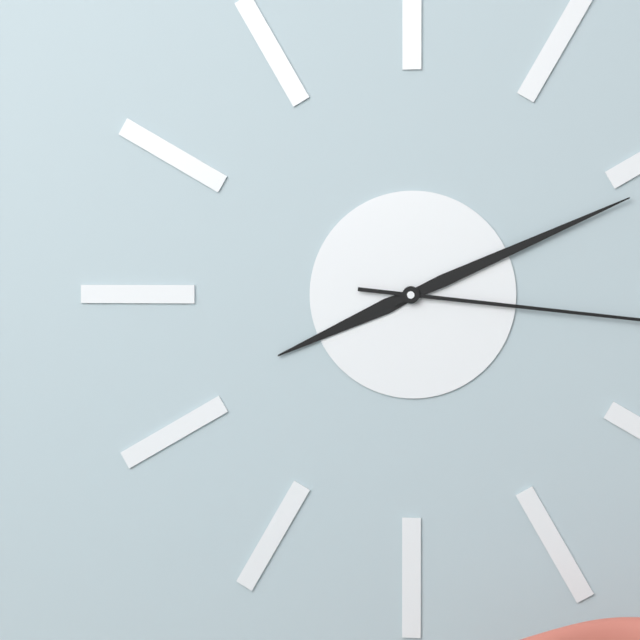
8h11
